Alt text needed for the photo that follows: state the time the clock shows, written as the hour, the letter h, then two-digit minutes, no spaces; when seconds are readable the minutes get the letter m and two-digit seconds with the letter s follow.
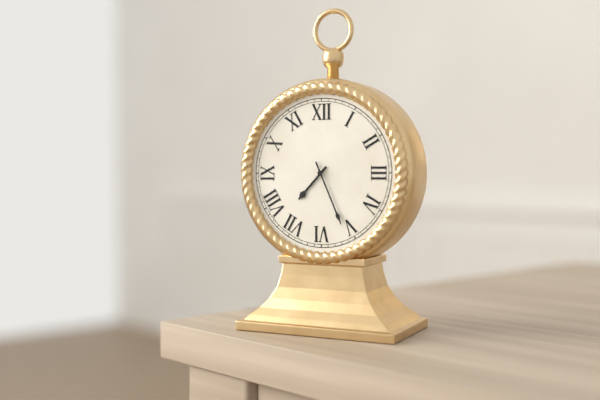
7h26
